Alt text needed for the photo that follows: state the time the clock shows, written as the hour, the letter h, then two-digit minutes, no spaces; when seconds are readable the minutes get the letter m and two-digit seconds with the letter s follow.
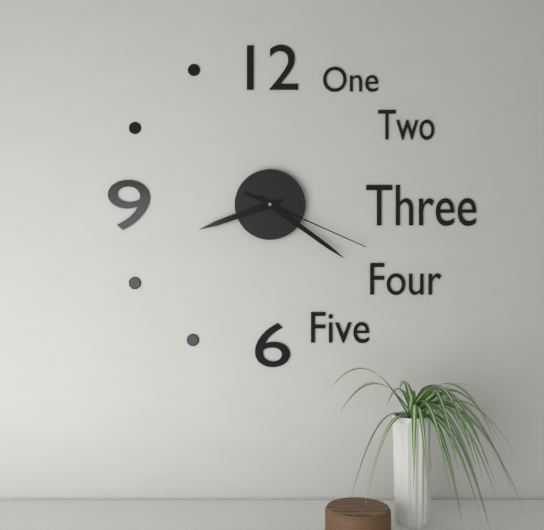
8h21m19s
